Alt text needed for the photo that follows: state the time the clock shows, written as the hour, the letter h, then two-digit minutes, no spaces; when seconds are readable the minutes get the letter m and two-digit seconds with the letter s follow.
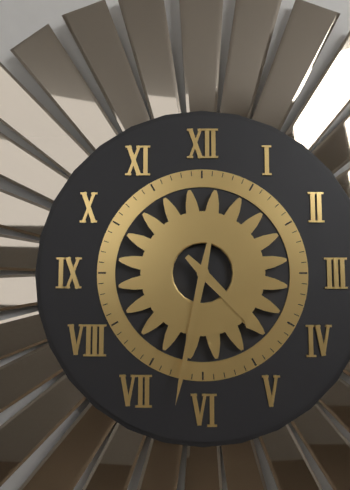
4h32
